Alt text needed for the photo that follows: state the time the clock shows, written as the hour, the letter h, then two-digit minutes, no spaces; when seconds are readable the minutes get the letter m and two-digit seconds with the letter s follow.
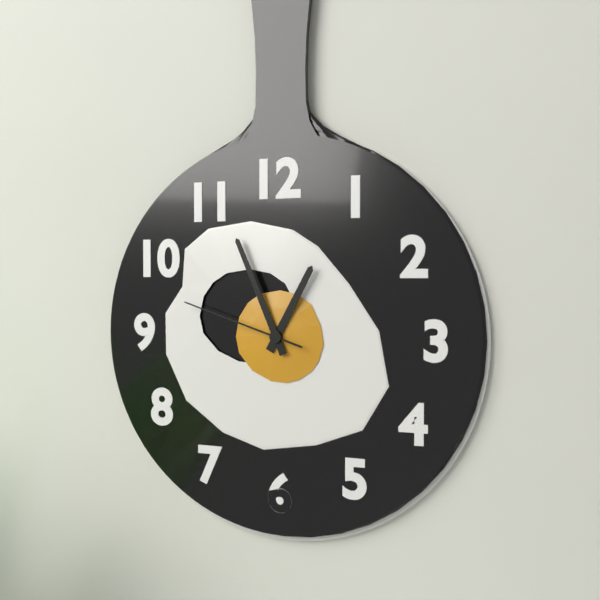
12h56m48s
